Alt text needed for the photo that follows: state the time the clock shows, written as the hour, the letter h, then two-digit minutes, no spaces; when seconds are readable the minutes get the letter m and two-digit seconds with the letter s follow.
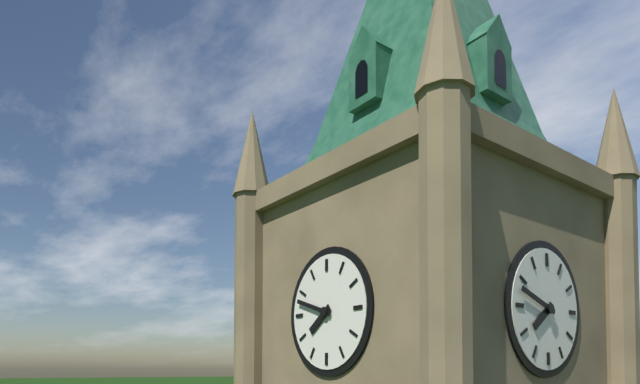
7h48
